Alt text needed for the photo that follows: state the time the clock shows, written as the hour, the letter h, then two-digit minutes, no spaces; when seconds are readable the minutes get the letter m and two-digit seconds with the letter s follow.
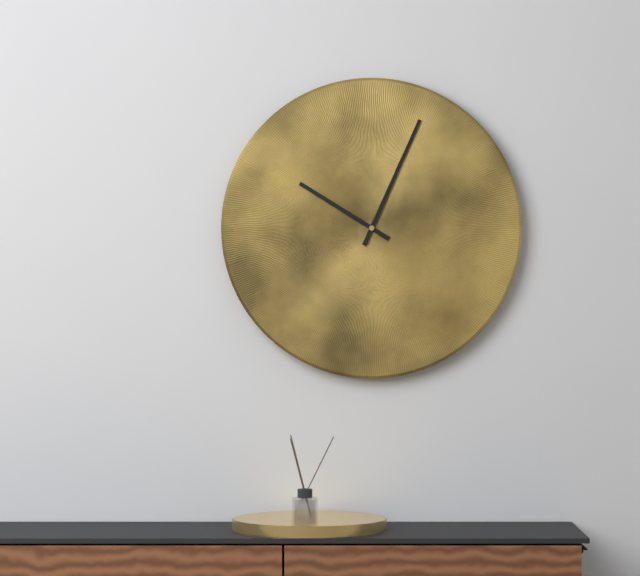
10h04
